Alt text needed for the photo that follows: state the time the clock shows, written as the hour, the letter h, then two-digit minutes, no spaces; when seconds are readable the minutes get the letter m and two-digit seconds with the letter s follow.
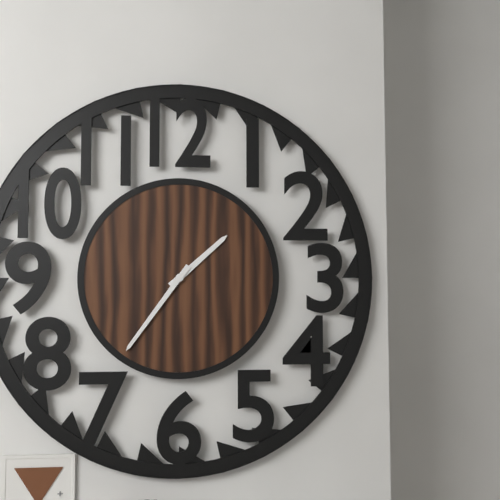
1h36
